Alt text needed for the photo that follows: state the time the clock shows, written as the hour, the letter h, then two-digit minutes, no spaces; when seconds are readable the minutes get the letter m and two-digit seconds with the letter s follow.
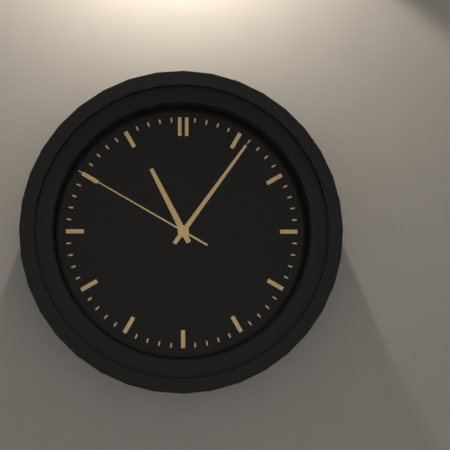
11h06m50s
